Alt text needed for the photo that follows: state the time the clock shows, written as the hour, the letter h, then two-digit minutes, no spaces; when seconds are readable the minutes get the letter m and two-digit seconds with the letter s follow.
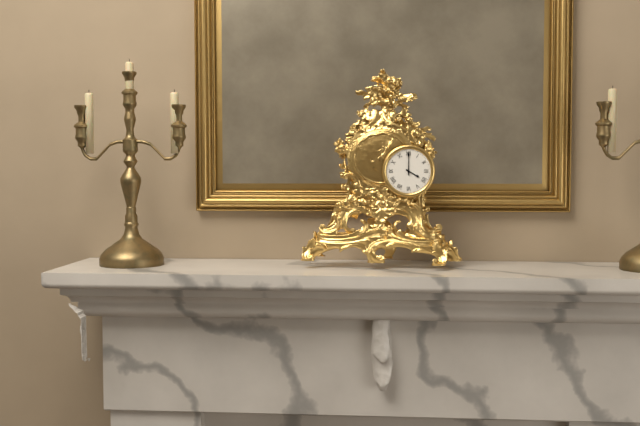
4h00
